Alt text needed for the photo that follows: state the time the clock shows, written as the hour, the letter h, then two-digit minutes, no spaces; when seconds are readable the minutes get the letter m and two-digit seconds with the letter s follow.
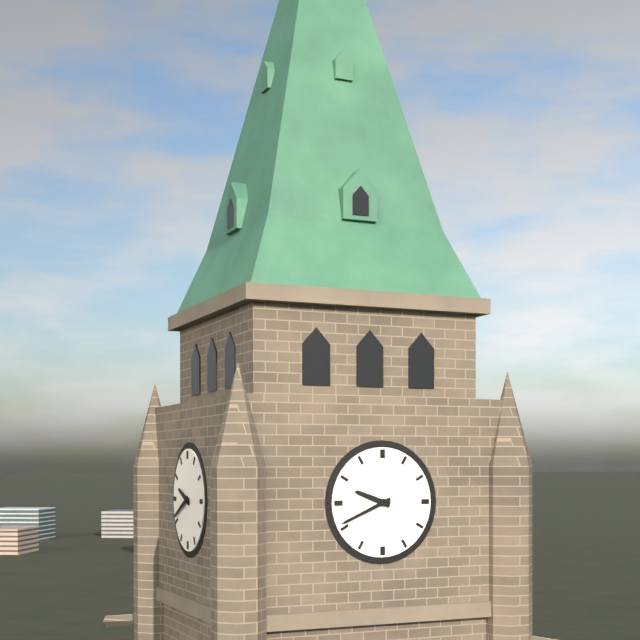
9h41
